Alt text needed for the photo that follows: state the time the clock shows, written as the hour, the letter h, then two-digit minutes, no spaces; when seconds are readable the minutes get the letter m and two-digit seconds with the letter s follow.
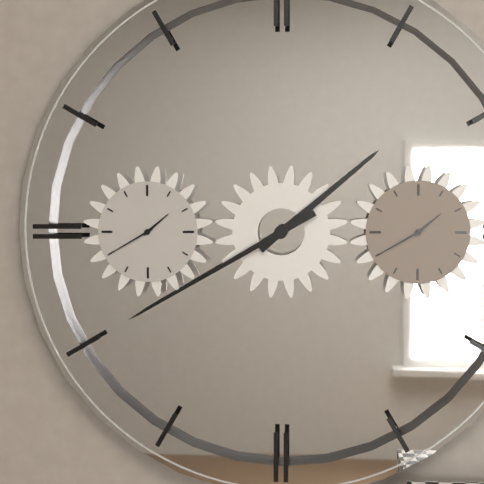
1h40
